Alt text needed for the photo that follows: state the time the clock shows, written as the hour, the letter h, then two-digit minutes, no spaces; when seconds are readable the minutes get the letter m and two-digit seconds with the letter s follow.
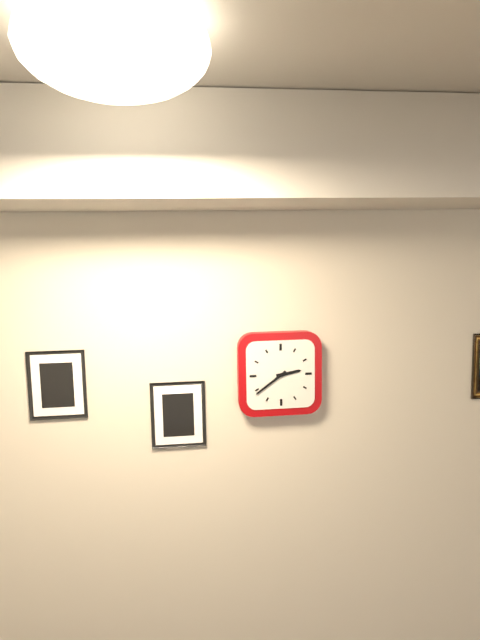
2h39
